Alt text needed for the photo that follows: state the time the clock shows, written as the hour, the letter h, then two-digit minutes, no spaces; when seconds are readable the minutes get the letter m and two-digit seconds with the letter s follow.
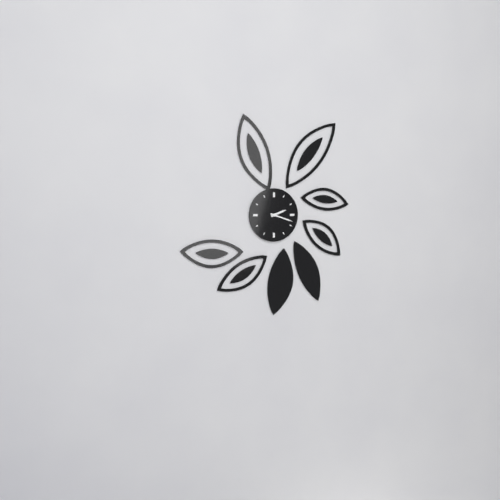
2h18
